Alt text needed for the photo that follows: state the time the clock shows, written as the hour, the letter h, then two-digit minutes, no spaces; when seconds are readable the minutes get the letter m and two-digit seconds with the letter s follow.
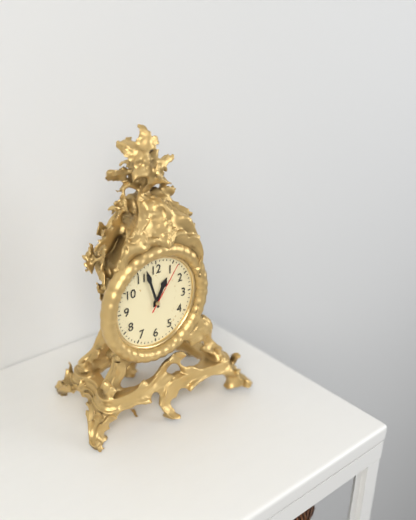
12h57m06s
